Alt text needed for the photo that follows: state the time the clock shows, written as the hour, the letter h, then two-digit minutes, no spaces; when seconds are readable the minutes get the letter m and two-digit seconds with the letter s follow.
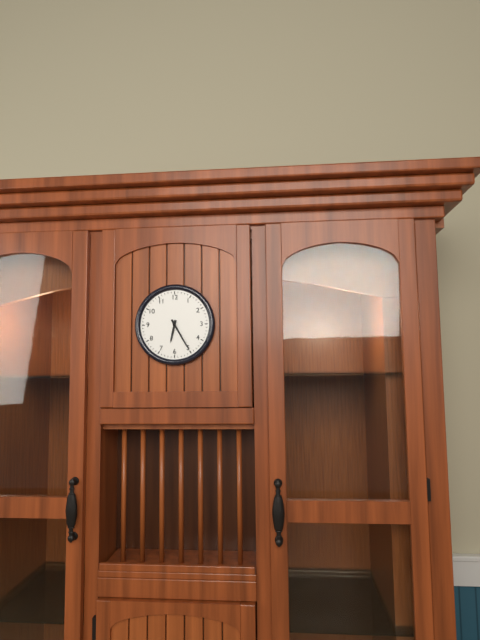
6h25
